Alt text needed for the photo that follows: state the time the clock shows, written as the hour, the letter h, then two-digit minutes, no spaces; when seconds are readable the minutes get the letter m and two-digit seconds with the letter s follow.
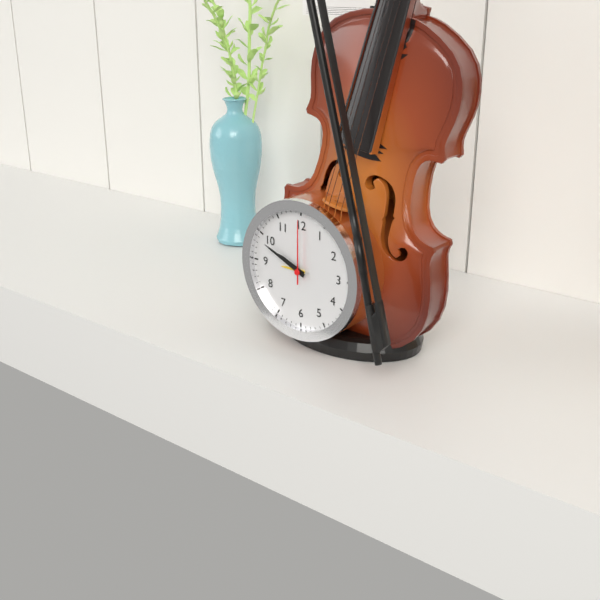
9h49m00s
